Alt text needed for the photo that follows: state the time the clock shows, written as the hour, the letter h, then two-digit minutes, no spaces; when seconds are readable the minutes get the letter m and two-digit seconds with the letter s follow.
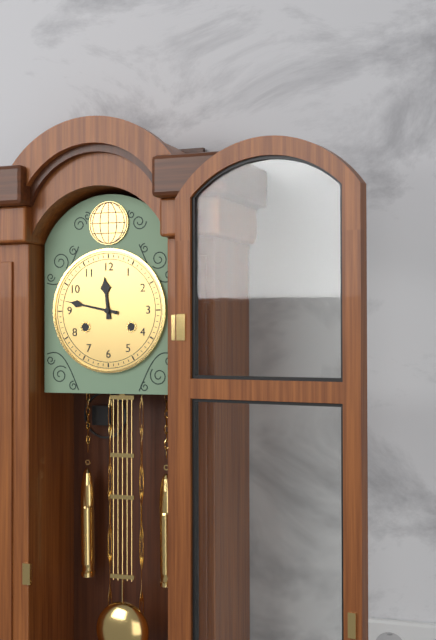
11h47
